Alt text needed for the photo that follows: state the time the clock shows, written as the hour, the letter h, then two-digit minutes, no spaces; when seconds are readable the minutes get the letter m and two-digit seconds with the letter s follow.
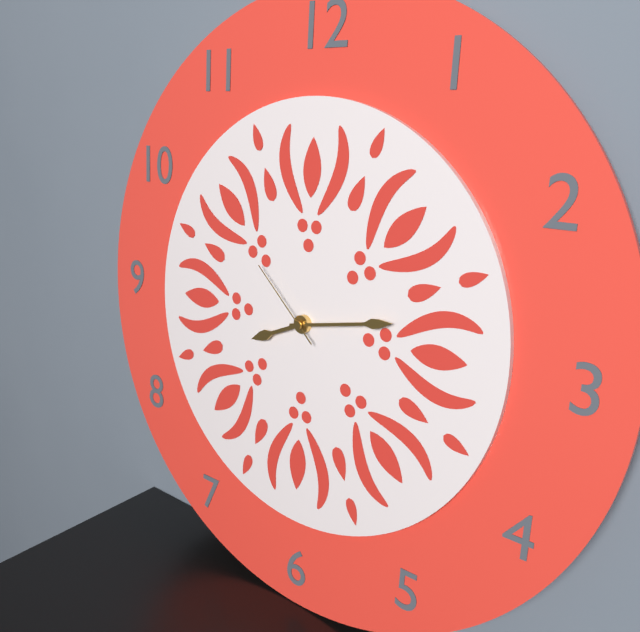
8h13m52s
